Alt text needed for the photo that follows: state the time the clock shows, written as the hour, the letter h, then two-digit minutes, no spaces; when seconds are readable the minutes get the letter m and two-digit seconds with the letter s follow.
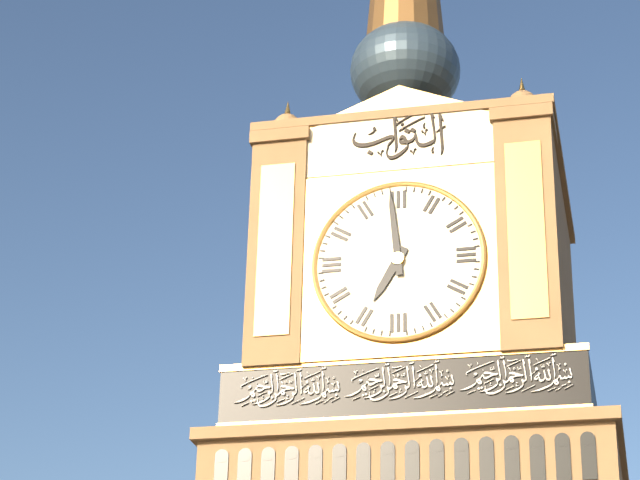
6h59
